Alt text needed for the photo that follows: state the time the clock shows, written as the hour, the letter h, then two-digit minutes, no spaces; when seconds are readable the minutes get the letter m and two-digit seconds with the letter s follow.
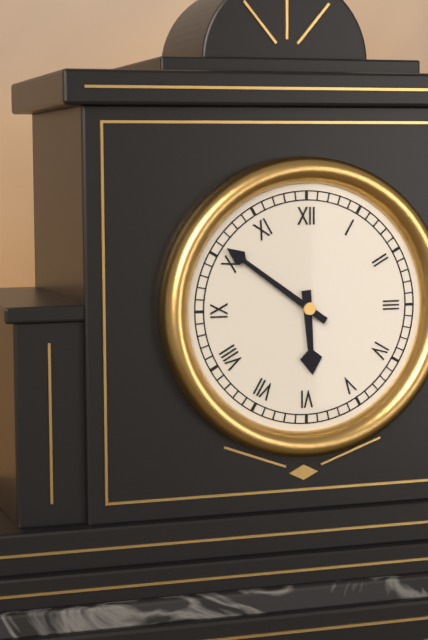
5h51
